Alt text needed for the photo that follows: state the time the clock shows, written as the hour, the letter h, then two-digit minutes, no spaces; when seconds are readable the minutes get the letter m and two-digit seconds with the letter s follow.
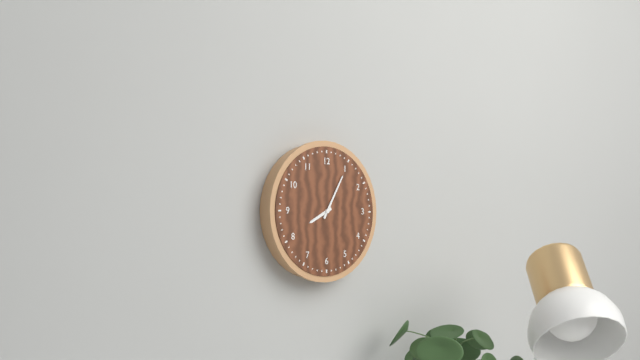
8h05
